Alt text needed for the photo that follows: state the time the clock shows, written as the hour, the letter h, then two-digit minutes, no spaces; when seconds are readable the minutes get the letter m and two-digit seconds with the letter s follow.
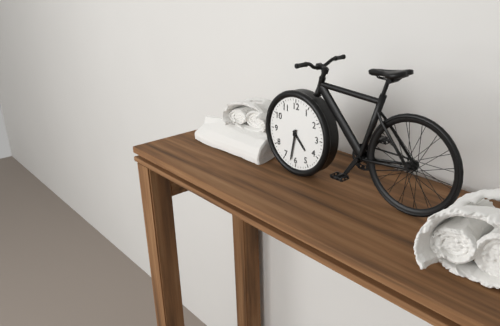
4h32
